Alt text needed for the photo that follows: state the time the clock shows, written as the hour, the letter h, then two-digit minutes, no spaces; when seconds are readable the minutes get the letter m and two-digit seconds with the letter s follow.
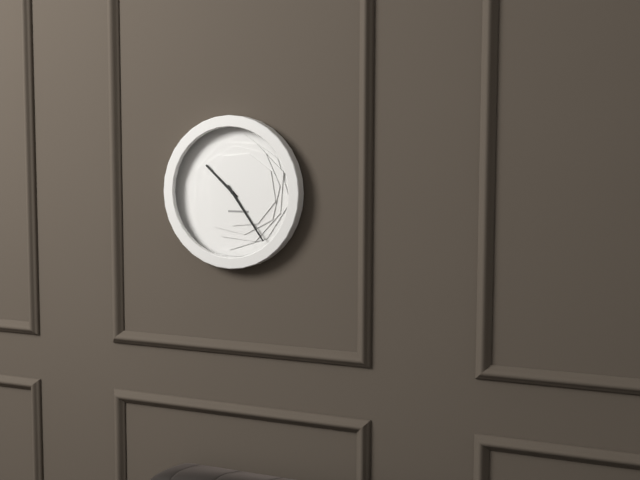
10h24
